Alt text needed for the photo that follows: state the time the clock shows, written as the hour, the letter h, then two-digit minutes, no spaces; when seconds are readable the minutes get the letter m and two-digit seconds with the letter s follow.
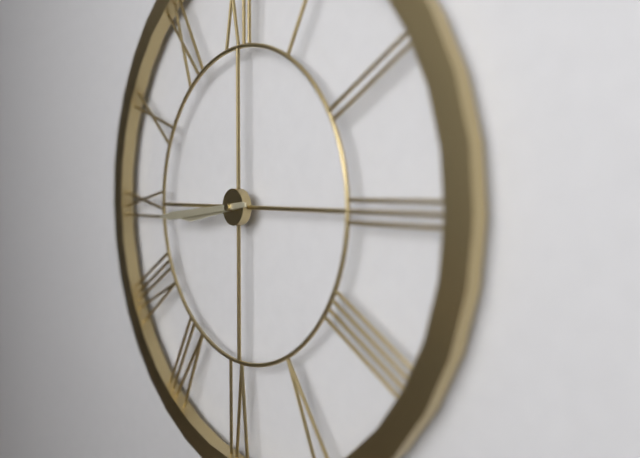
8h44
